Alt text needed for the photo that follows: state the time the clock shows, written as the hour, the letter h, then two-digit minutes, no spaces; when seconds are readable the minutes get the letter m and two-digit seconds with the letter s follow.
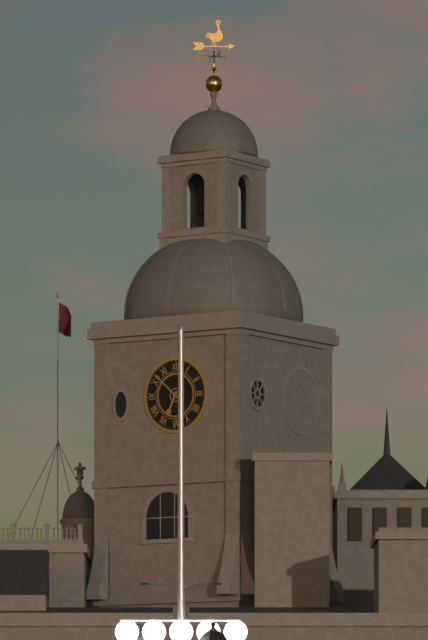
6h52
